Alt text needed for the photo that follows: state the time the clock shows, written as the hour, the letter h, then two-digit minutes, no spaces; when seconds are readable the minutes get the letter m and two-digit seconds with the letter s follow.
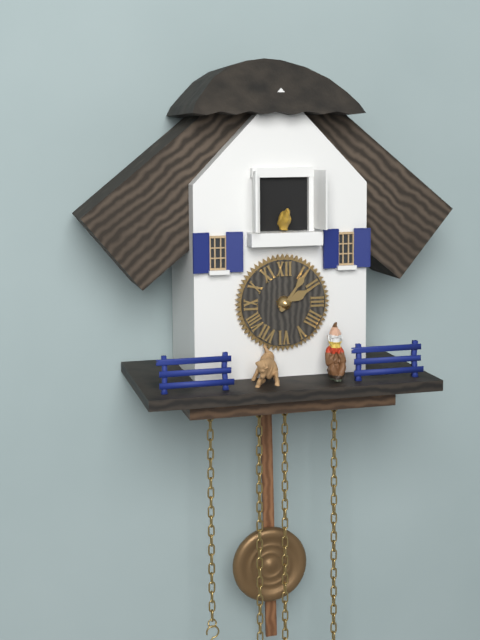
2h06
